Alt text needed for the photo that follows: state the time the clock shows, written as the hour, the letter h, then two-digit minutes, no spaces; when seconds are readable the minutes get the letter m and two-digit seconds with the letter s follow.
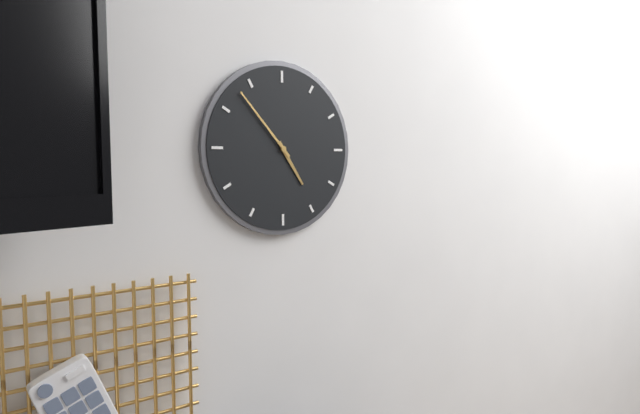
4h53
